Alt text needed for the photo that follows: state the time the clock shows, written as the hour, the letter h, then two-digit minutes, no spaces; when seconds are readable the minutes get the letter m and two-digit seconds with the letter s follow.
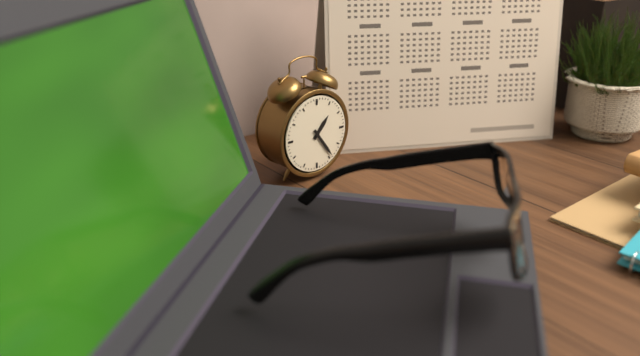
1h24
